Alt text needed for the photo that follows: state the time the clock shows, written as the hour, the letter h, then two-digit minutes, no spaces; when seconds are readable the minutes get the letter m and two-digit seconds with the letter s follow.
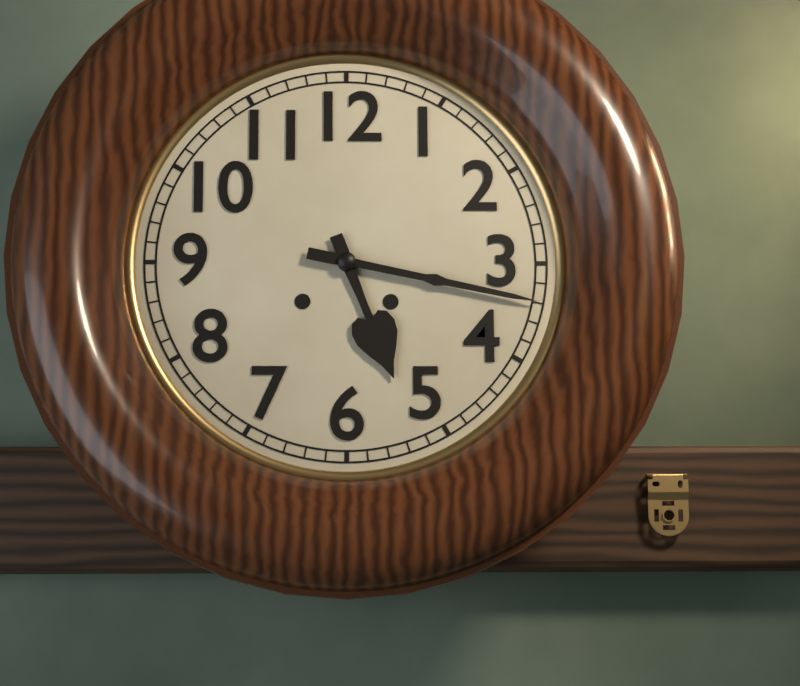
5h17
